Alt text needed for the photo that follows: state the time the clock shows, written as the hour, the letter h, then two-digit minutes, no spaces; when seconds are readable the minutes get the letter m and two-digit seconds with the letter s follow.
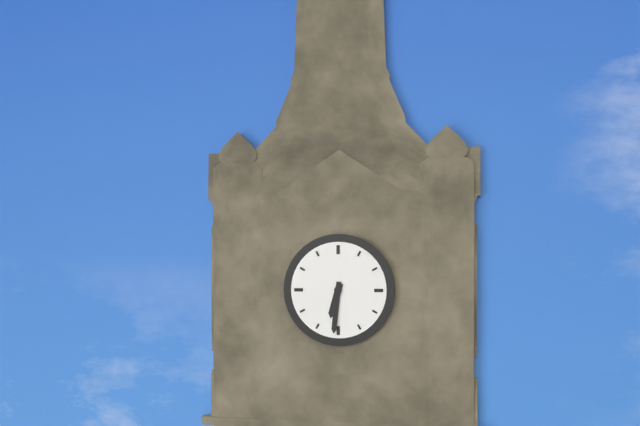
6h31
